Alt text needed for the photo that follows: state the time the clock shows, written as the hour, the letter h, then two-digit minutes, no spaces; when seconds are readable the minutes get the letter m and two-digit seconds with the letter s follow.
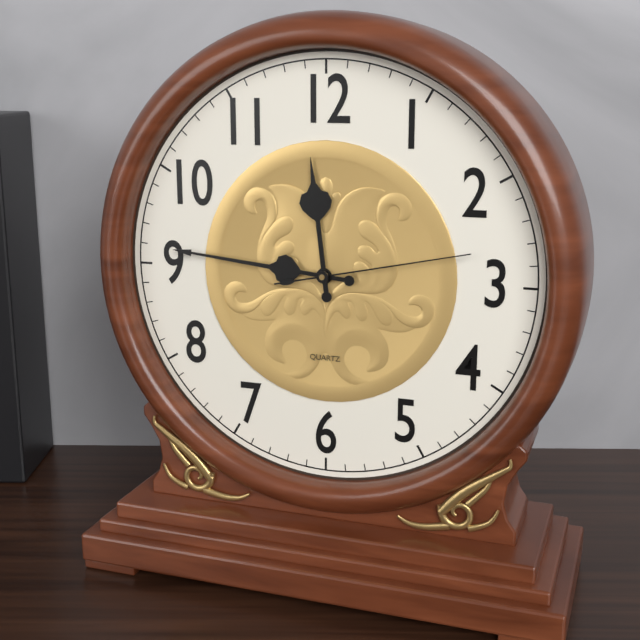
11h46m13s
